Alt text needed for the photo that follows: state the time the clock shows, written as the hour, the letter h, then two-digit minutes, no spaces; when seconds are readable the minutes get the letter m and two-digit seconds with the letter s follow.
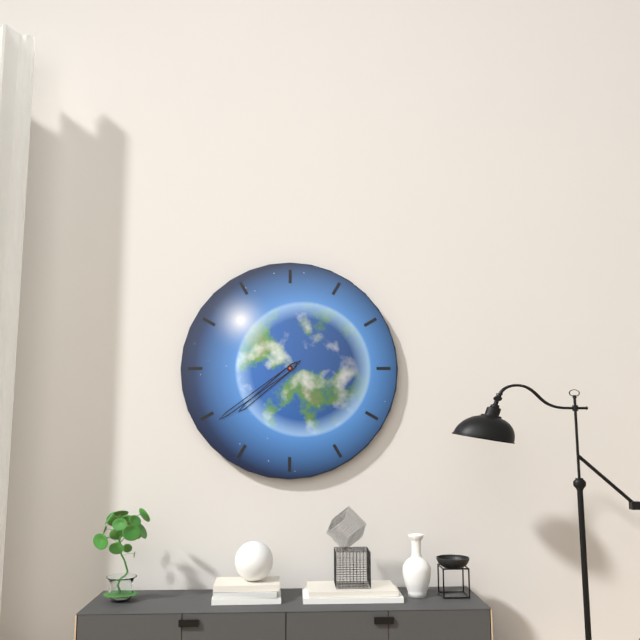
7h39
